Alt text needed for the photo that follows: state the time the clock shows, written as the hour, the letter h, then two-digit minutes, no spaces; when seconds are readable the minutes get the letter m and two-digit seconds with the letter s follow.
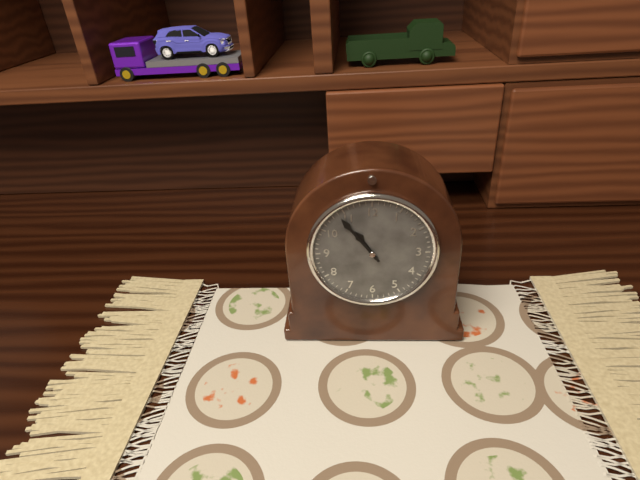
10h54
